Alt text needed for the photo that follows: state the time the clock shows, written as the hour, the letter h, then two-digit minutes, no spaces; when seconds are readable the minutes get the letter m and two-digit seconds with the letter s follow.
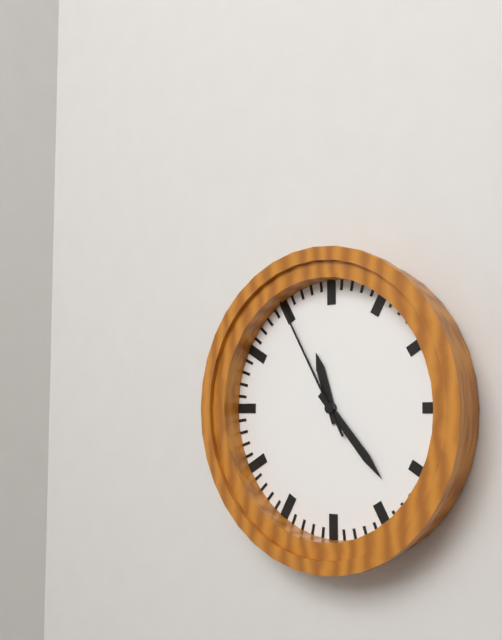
11h23m55s
